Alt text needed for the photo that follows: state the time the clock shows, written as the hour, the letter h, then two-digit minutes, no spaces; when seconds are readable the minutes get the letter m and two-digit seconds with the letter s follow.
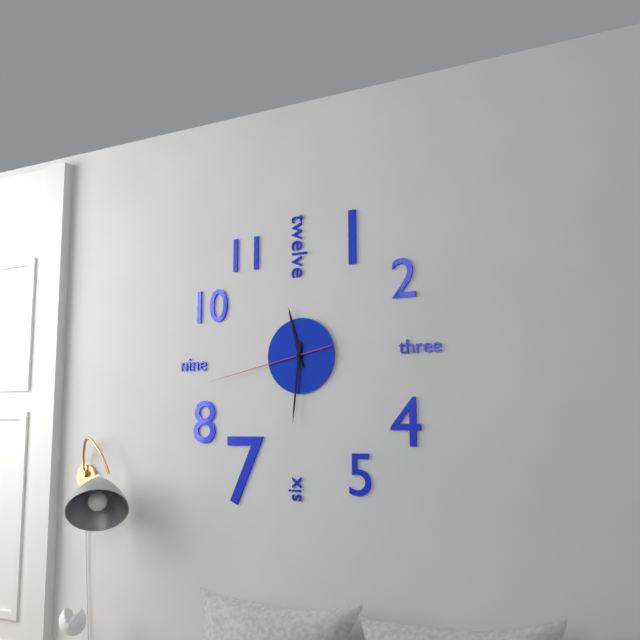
11h31m43s
